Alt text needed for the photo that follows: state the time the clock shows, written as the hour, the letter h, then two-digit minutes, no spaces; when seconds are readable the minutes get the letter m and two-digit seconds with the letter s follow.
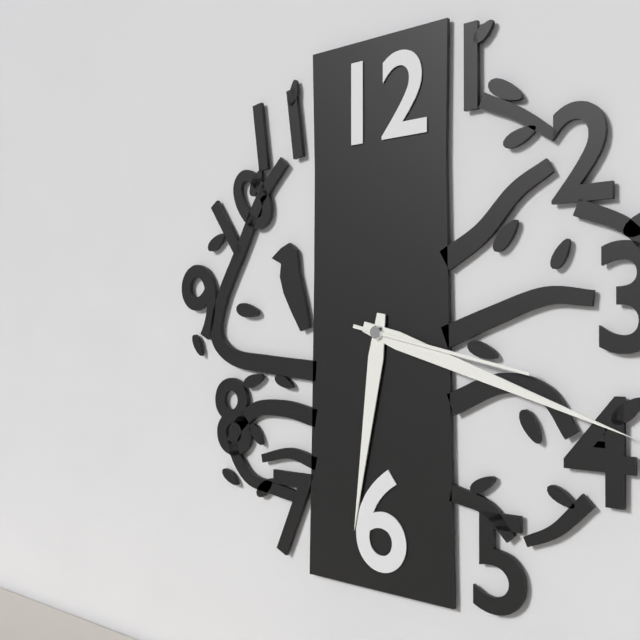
6h18m17s
